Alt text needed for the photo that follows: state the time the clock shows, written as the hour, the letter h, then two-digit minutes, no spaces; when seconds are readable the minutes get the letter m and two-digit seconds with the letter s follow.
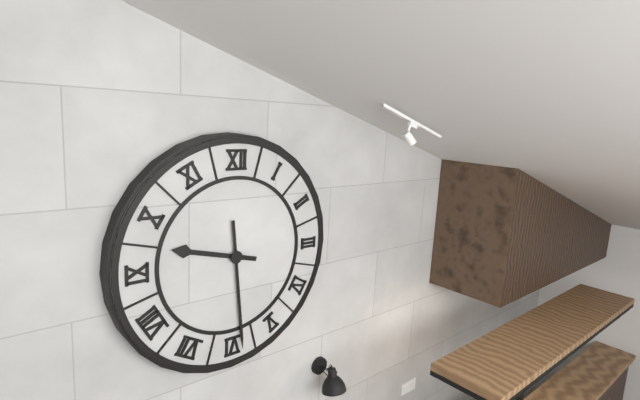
9h29
